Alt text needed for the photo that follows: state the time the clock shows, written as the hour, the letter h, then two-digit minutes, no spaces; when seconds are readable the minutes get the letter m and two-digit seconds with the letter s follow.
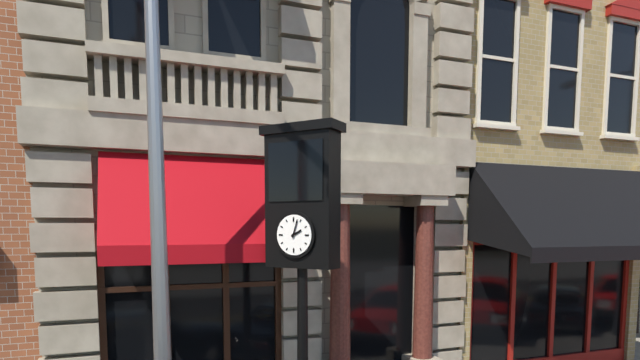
2h03
